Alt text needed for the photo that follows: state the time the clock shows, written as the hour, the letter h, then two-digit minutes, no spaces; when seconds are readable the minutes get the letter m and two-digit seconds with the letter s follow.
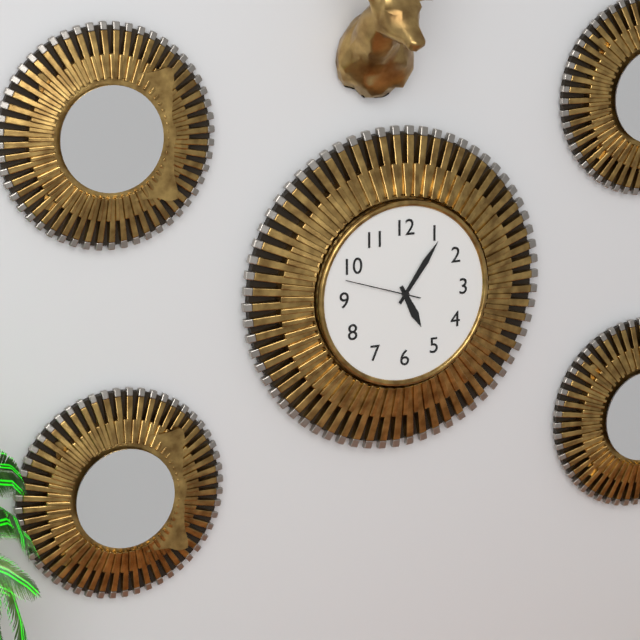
5h06m48s
